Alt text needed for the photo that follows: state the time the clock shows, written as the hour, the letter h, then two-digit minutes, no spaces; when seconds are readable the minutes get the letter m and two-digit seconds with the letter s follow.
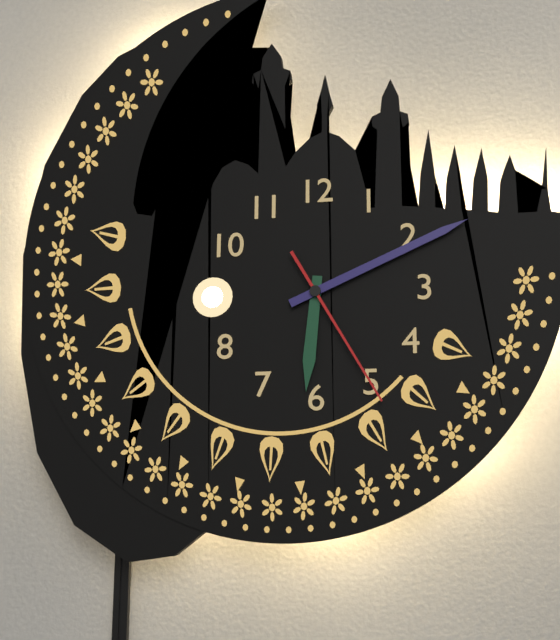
6h11m25s
